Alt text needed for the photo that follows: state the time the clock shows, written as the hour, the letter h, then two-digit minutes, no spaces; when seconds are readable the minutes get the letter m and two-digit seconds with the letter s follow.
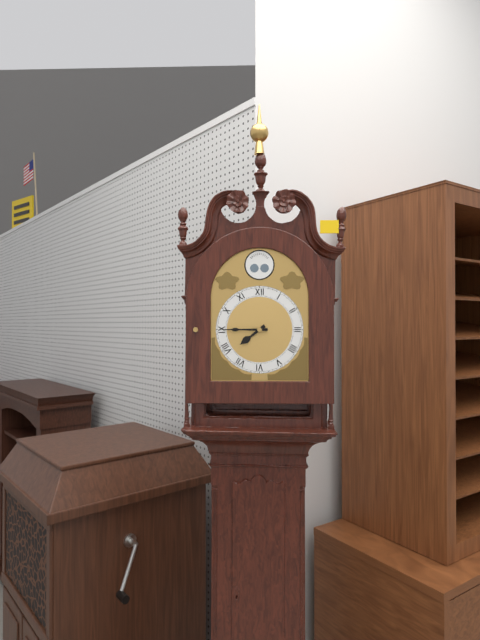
7h45
